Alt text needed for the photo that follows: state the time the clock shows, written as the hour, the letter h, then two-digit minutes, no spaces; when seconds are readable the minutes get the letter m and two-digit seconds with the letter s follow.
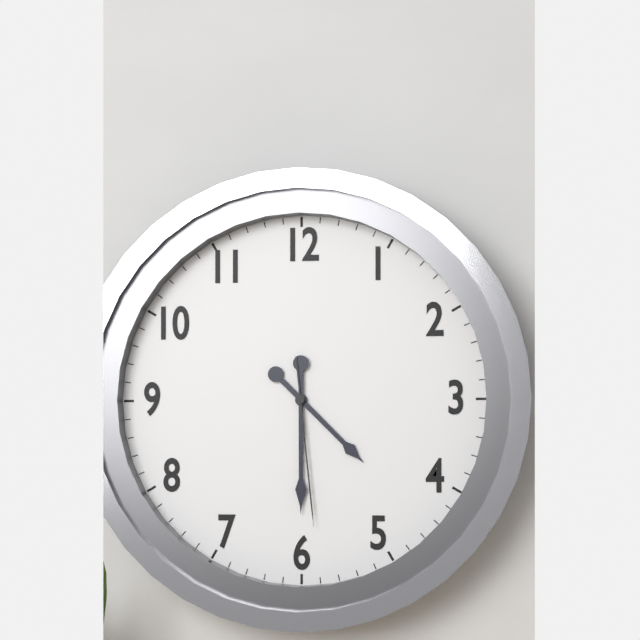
4h30m29s
